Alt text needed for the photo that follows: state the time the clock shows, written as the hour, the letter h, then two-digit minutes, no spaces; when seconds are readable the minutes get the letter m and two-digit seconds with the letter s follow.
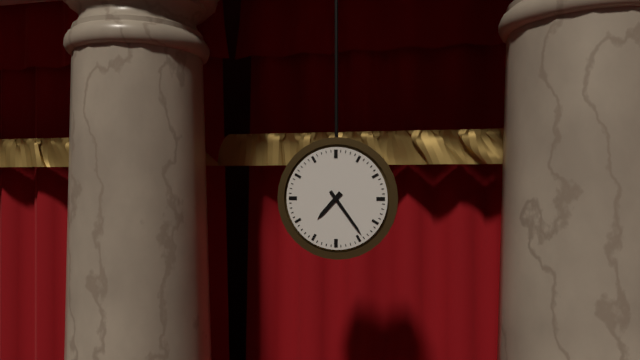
7h24
